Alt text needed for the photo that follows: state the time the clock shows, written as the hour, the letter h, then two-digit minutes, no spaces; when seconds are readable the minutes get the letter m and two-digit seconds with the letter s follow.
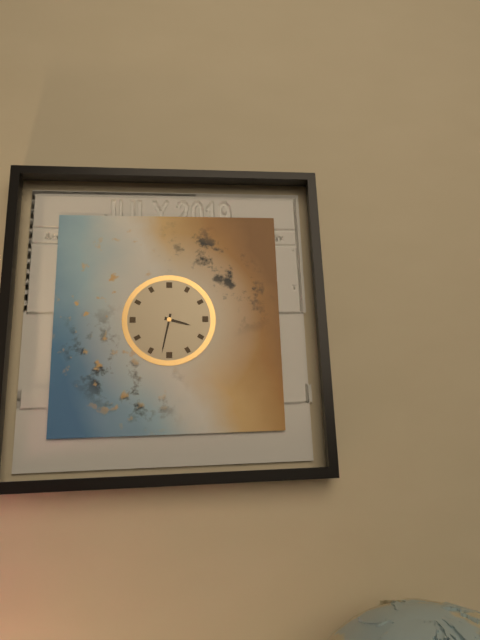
3h32
